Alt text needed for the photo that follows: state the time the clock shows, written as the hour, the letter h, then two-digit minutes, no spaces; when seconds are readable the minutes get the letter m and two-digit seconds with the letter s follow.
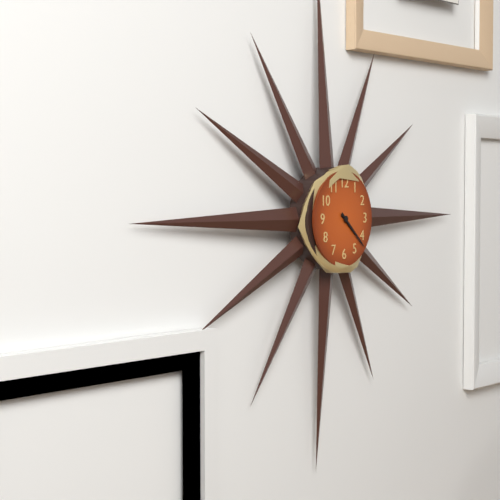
4h22
